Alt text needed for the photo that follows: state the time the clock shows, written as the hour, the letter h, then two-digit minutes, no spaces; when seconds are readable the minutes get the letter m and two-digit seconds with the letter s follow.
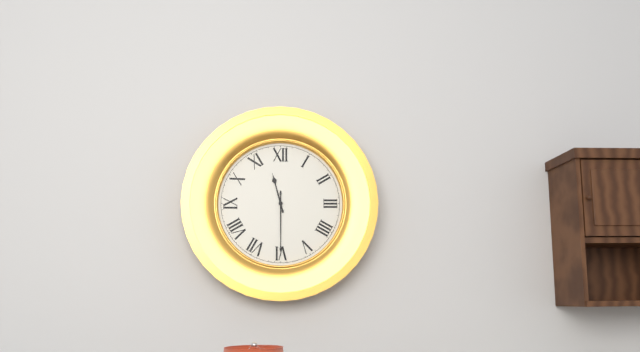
11h30
